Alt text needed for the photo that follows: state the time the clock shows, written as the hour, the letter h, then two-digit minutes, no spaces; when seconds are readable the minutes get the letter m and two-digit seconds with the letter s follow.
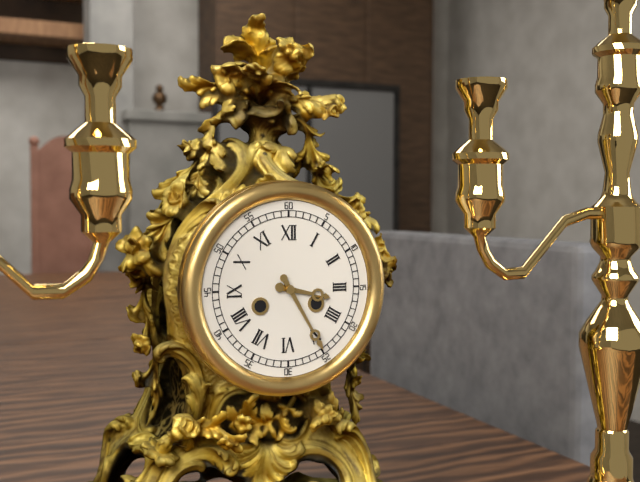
3h25
